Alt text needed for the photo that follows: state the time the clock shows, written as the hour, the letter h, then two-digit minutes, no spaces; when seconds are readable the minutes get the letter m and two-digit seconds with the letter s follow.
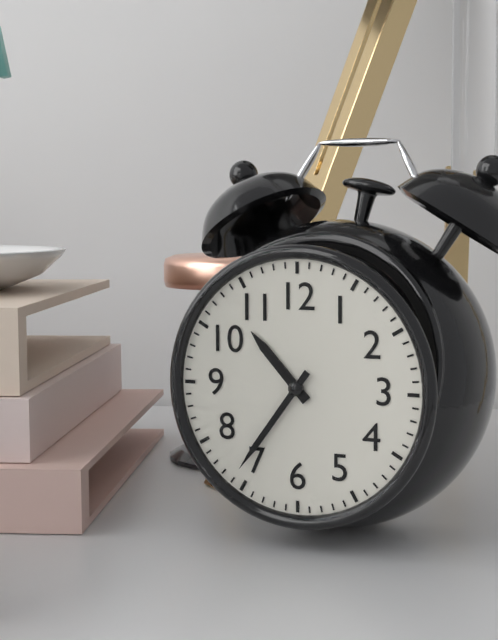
10h36
